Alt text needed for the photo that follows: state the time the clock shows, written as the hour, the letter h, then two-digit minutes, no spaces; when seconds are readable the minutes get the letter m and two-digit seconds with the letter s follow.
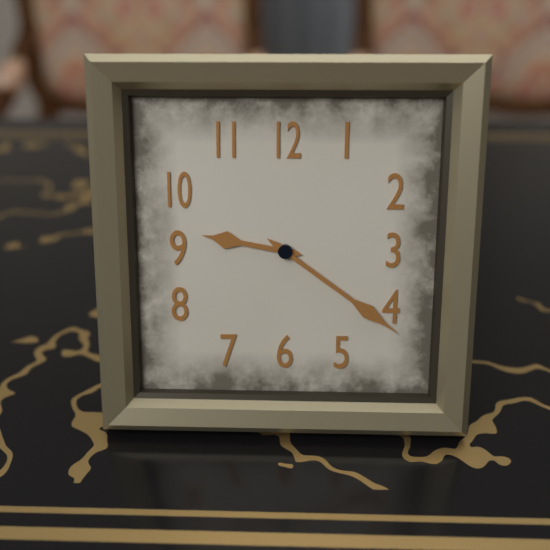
9h21
